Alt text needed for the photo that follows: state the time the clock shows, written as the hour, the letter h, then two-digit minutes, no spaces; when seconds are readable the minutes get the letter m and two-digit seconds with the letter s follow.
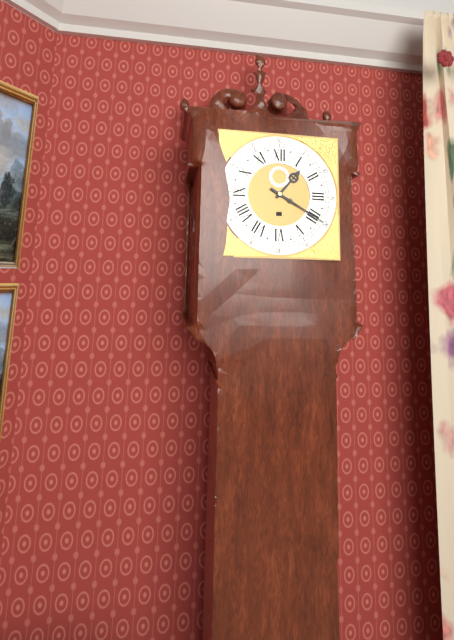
1h20
